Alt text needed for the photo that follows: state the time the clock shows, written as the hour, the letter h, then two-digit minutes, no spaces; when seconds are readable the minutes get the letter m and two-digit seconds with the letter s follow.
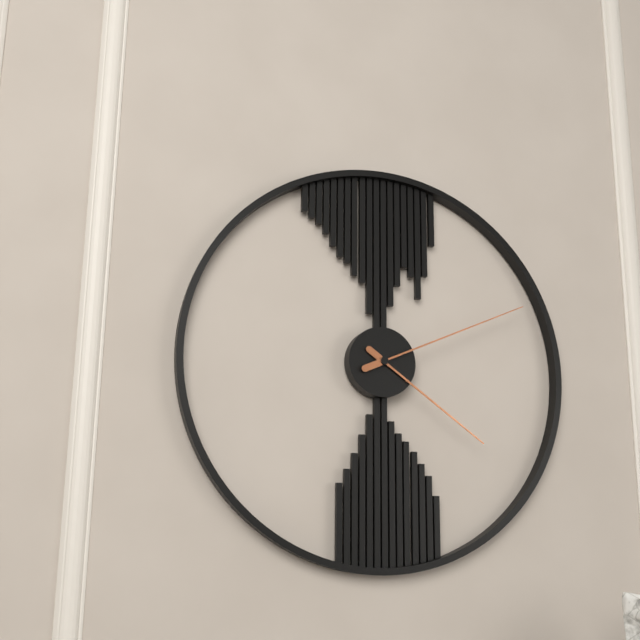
4h11
